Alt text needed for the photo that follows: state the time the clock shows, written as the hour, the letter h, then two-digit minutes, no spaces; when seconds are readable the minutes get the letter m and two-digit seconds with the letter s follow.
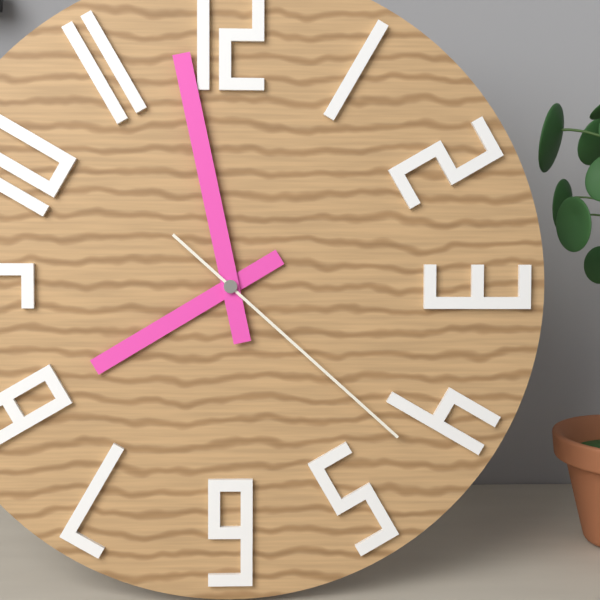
7h58m22s
